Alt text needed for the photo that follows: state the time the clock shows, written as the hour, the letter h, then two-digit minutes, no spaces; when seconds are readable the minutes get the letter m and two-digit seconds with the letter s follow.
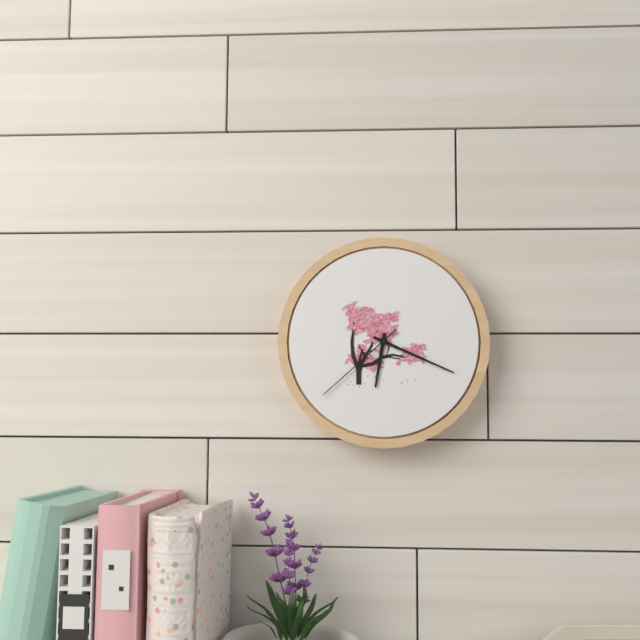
6h19m38s
